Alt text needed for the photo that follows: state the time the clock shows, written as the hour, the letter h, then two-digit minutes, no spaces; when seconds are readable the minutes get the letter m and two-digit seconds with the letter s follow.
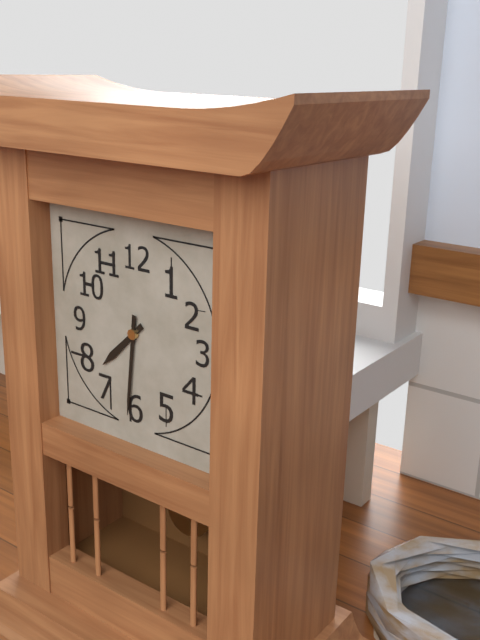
7h31
